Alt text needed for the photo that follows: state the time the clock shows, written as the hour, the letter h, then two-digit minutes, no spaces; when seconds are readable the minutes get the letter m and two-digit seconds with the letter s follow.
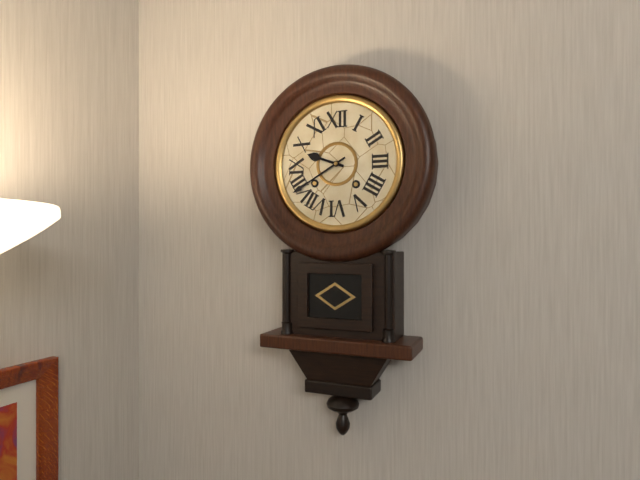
9h40
